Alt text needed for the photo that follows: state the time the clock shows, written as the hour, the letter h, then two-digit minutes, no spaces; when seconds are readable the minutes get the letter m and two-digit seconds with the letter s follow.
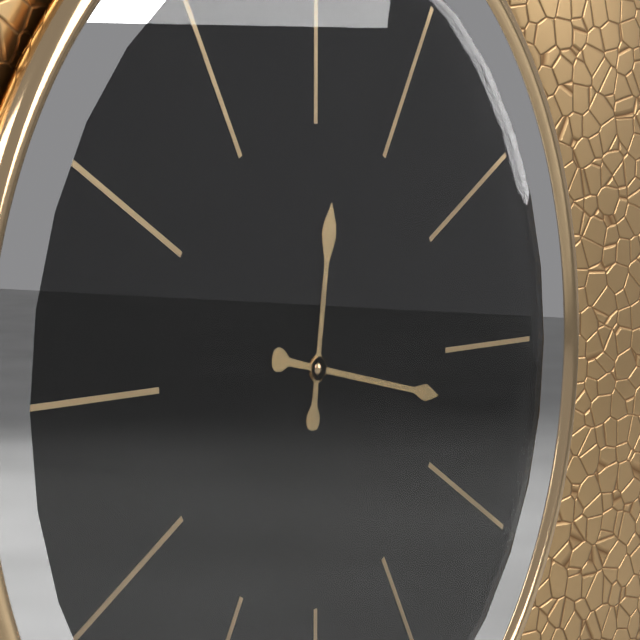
12h17
